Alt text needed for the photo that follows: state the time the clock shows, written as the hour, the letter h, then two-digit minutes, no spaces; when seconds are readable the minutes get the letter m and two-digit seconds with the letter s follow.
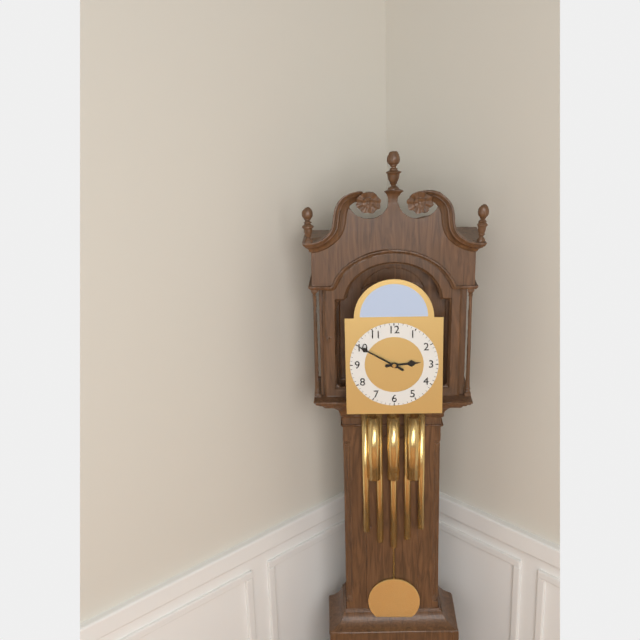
2h50
